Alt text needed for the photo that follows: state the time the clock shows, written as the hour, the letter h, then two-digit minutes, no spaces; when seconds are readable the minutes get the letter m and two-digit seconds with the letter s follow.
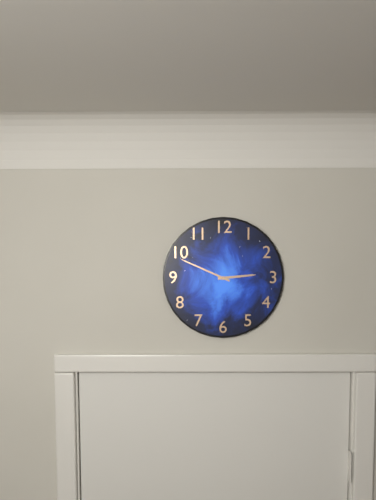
2h49
